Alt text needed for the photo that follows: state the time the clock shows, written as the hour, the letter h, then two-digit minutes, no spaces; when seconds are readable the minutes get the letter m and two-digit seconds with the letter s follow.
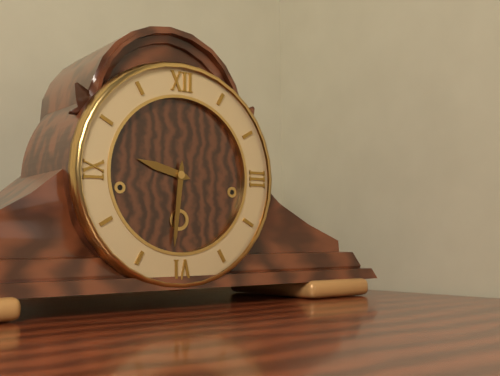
9h31
